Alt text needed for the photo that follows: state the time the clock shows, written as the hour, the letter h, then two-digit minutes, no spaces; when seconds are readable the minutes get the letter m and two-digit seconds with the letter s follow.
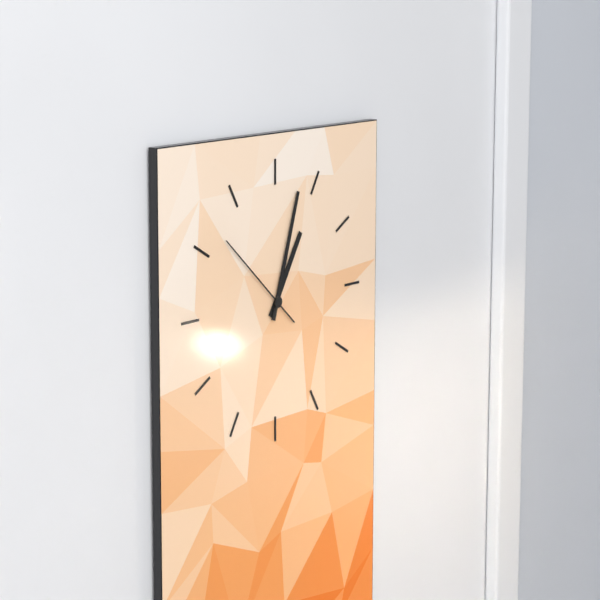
1h03m52s
